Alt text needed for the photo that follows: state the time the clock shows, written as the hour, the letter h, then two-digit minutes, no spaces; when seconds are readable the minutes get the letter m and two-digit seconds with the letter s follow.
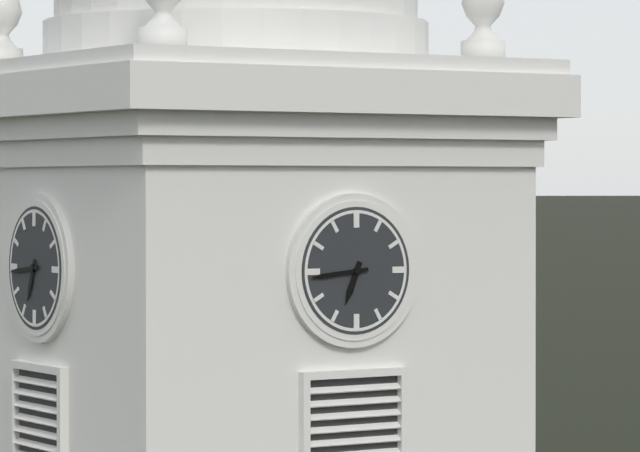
6h44
